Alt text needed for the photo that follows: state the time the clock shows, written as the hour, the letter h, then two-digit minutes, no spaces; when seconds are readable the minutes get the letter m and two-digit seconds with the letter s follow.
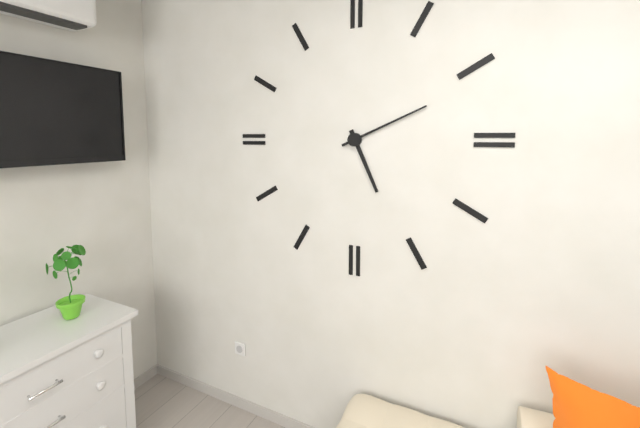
5h11
